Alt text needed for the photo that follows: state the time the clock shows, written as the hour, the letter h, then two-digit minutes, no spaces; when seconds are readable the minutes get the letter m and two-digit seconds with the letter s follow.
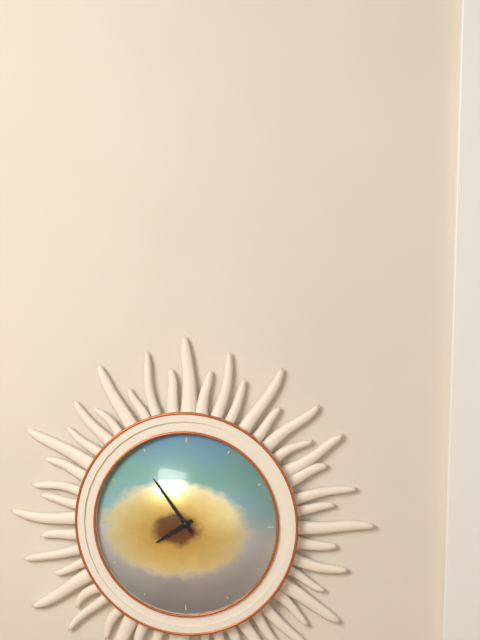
7h54
